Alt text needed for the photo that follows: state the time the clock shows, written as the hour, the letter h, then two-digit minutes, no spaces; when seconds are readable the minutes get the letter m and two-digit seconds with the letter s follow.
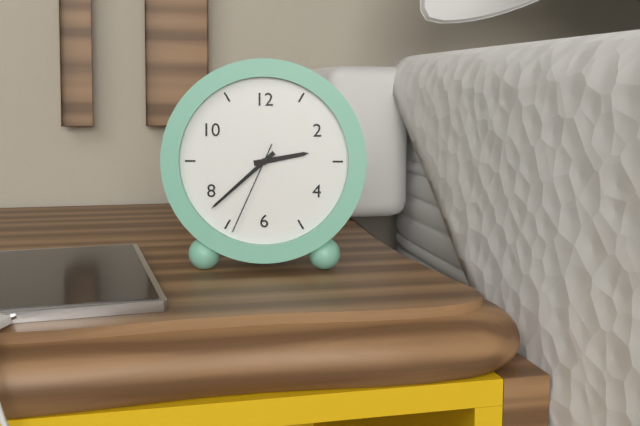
2h38m34s
